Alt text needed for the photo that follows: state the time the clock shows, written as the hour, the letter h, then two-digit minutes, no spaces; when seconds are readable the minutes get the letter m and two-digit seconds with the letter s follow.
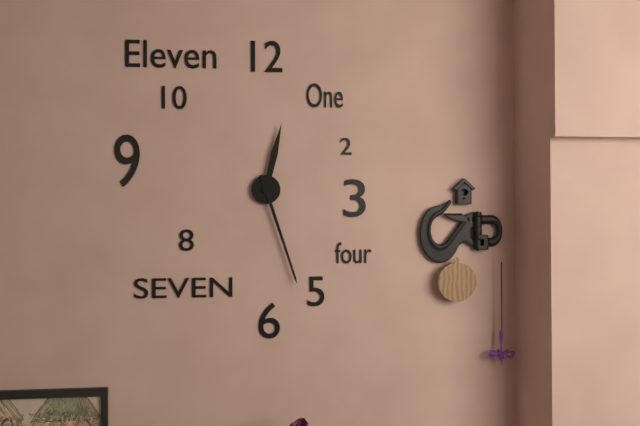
12h27
